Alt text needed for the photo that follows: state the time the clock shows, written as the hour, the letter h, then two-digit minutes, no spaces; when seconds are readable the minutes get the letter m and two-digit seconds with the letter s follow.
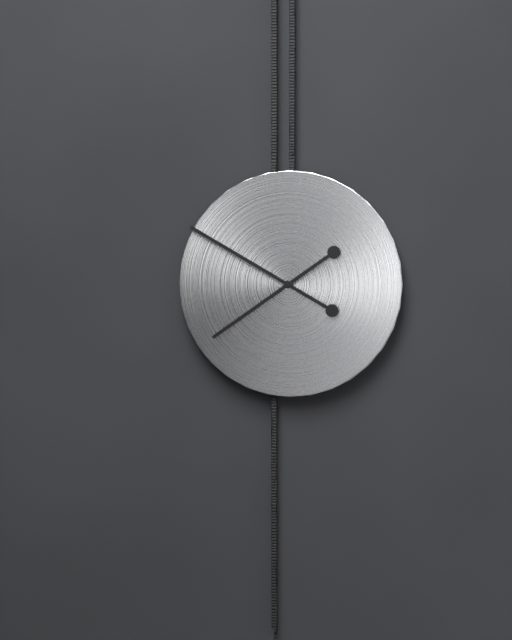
7h50
